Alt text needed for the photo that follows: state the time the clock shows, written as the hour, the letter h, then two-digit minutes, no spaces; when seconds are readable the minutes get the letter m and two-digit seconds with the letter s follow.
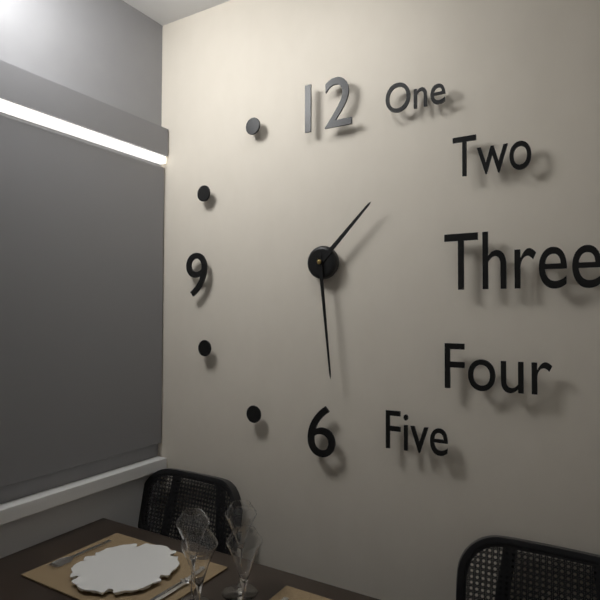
1h29
